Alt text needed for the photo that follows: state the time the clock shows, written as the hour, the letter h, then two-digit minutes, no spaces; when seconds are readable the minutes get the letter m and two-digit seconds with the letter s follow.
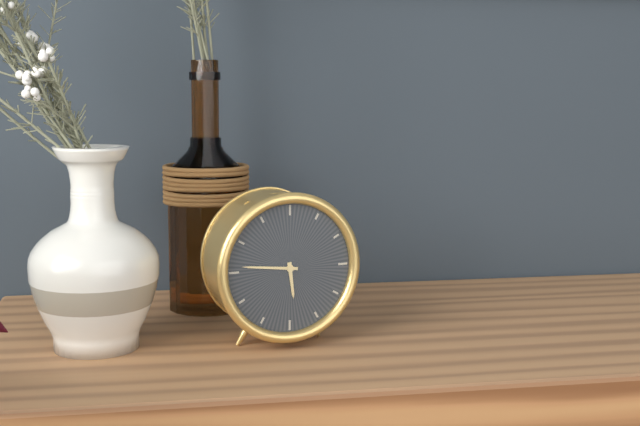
5h46
